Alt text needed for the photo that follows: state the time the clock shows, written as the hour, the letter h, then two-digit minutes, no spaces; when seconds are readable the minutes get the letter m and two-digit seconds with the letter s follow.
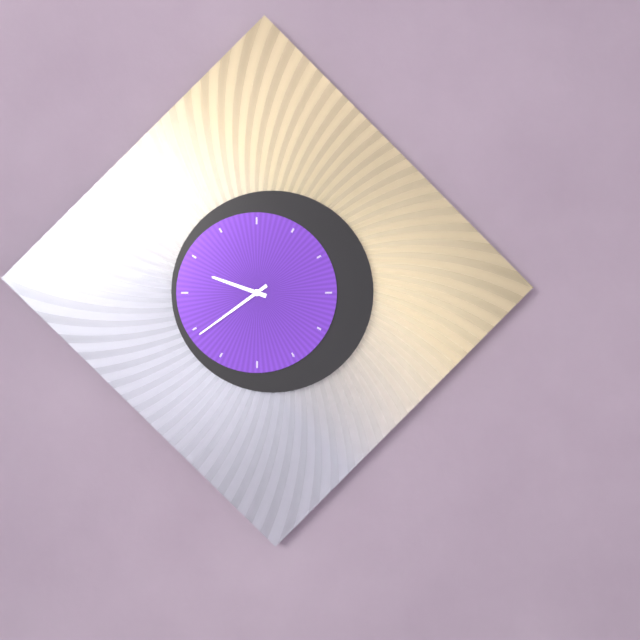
9h39
